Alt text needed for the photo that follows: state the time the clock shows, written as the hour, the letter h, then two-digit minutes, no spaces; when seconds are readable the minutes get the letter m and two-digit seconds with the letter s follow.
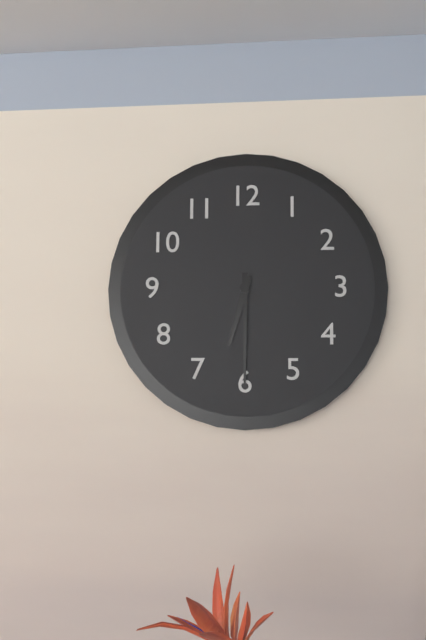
6h30
